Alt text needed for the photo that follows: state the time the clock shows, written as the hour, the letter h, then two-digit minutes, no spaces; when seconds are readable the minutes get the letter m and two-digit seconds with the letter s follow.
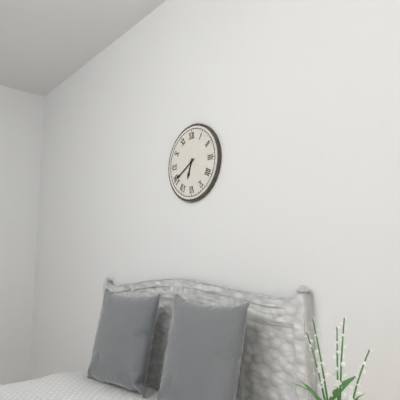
6h40
